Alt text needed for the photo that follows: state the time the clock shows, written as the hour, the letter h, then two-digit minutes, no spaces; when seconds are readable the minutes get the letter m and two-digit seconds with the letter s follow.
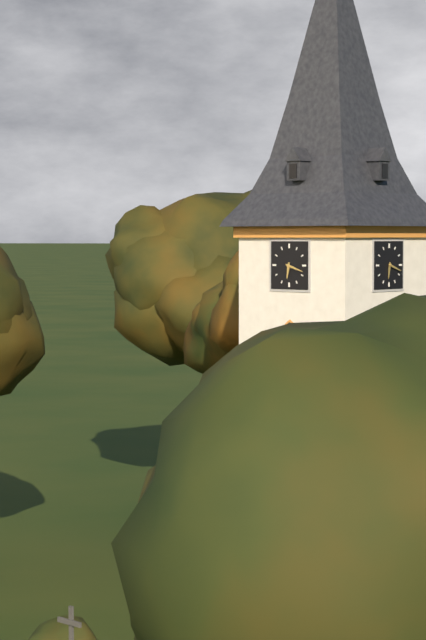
6h18
